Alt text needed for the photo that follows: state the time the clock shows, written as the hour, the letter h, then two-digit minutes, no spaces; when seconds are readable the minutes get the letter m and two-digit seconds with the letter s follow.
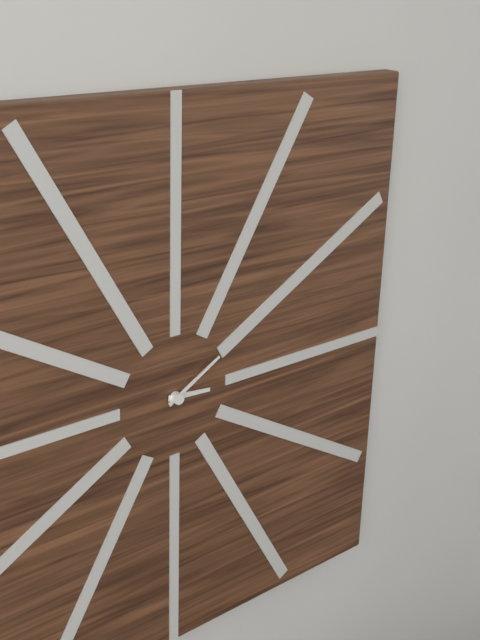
3h10
